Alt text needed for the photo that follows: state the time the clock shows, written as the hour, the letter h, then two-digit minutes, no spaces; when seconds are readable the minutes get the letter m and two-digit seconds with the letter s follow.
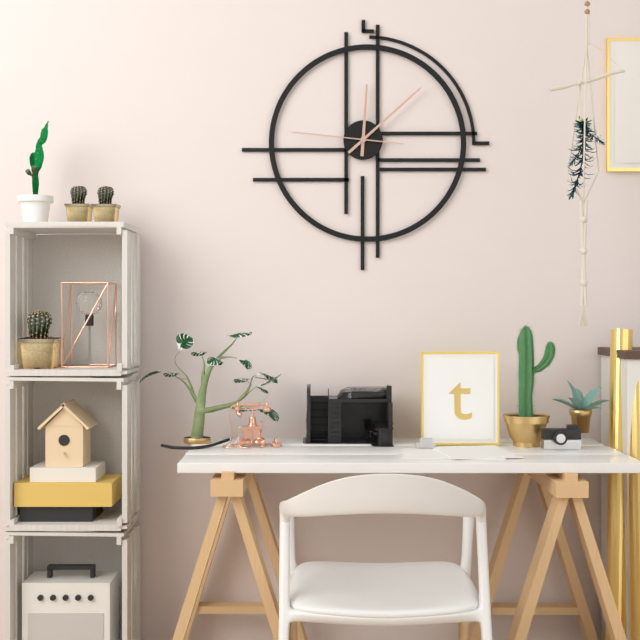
12h08m46s
